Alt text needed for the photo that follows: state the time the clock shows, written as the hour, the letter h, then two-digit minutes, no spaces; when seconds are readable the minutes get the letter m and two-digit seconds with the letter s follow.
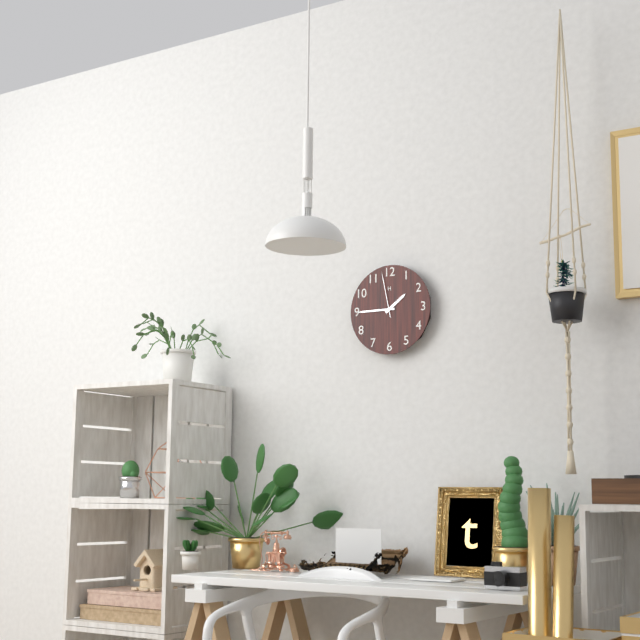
1h45
